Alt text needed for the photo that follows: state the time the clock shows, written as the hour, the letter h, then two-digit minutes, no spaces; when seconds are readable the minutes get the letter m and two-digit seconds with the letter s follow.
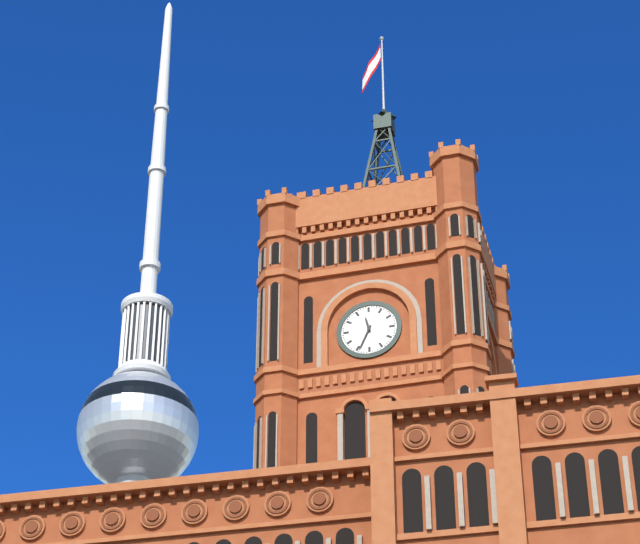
11h34
